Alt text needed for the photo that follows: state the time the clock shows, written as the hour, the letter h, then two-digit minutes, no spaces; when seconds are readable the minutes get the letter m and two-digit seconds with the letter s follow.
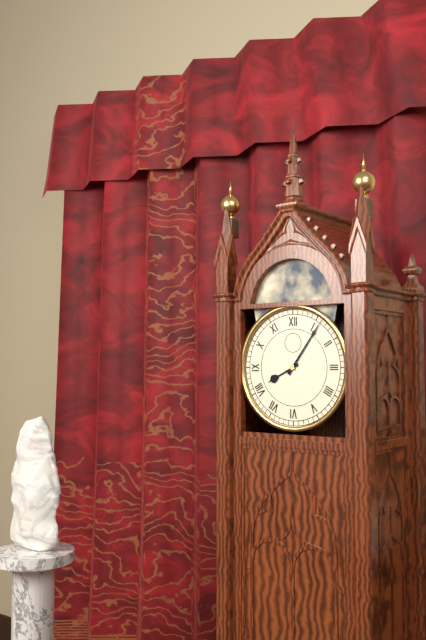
8h06
